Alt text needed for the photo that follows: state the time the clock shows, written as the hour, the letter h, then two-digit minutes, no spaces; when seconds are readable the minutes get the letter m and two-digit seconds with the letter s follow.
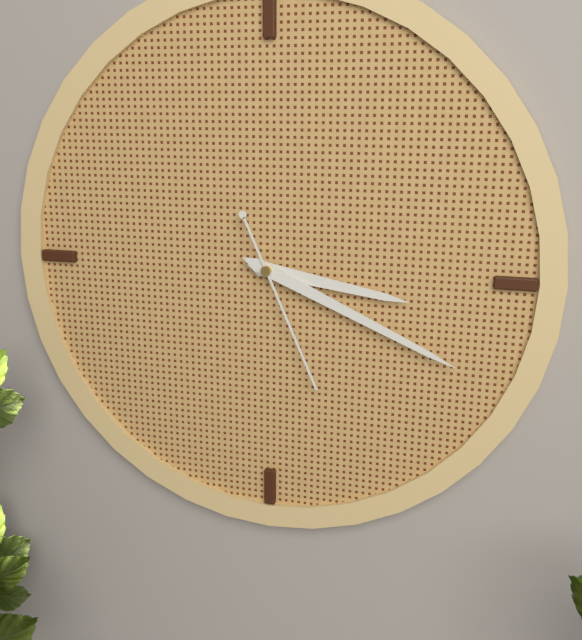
3h19m26s
